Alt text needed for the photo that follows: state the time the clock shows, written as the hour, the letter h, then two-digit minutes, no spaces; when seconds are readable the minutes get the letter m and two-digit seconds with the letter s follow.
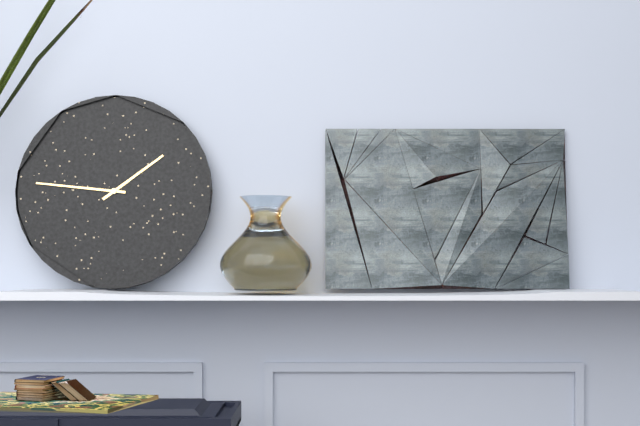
1h46
